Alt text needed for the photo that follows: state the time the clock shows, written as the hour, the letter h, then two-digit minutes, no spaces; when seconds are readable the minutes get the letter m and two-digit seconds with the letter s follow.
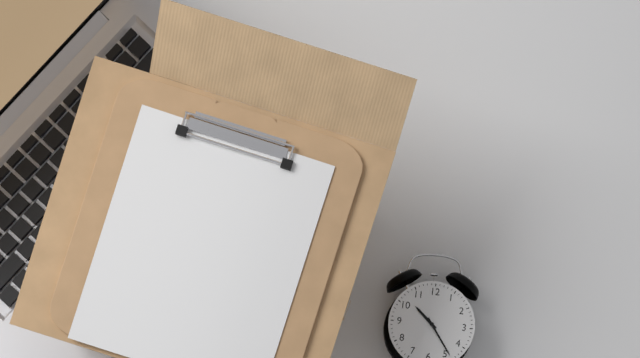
10h24
